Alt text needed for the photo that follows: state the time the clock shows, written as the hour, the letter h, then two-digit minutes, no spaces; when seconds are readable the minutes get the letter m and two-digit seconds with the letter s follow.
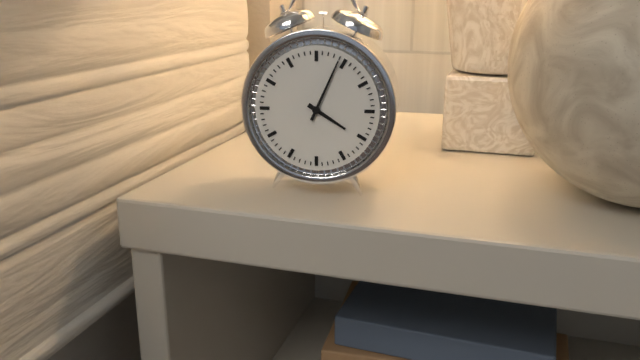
4h04
